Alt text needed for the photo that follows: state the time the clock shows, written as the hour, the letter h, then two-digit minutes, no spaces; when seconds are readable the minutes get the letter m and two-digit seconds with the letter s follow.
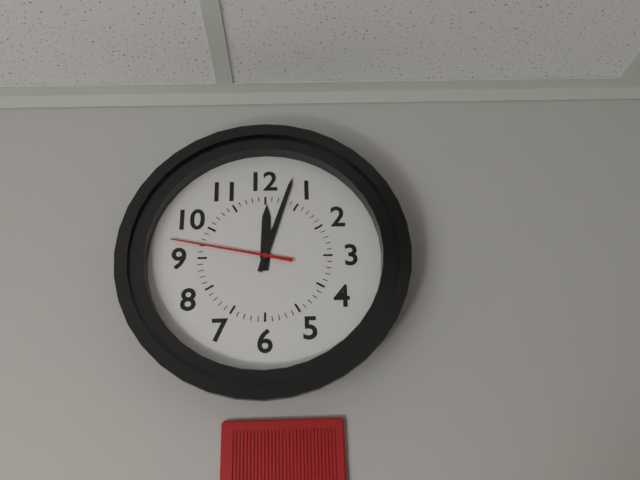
12h03m47s
